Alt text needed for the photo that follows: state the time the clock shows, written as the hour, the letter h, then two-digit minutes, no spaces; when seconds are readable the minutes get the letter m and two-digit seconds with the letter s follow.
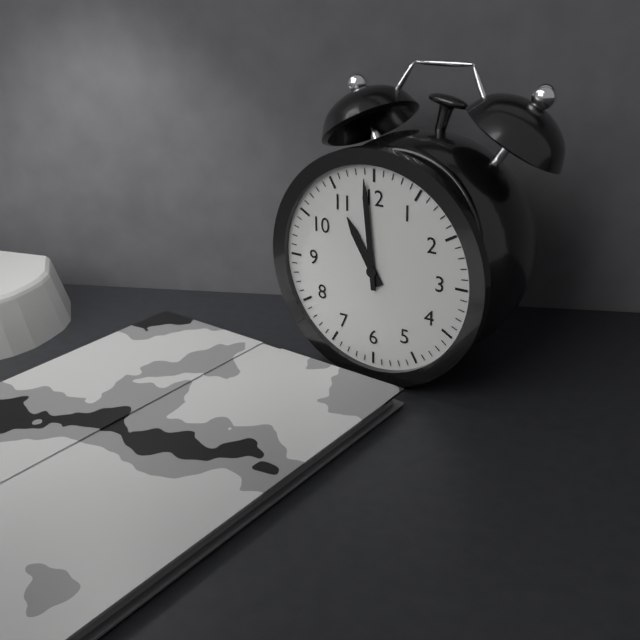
10h59
